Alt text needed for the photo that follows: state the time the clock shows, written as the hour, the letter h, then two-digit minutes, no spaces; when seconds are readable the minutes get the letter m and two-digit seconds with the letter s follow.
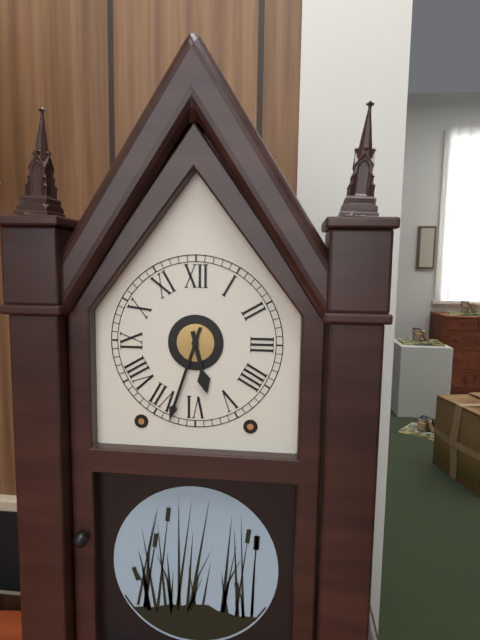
5h33
